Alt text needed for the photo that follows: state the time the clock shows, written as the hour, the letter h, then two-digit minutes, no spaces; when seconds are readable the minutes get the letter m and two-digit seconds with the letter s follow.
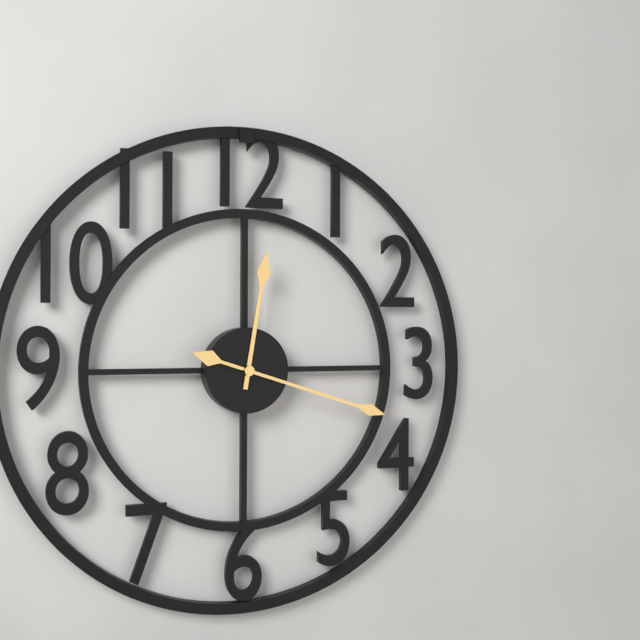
12h18
